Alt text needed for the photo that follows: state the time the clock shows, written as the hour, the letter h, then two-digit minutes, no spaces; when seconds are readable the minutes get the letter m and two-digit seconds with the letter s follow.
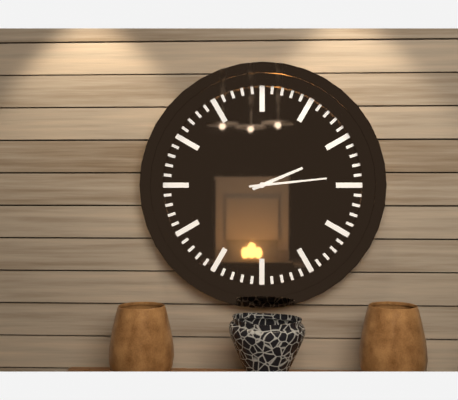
2h14
